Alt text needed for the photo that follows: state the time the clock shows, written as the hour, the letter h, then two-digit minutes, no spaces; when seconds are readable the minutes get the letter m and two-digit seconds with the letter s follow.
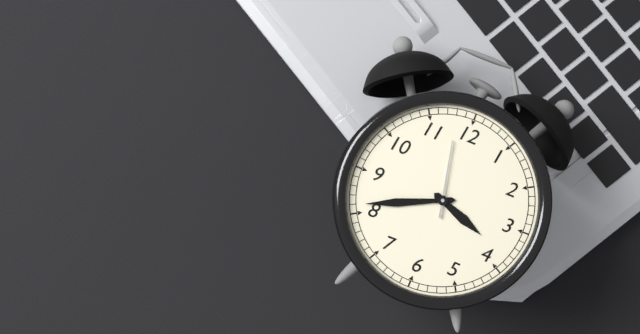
3h41m58s
